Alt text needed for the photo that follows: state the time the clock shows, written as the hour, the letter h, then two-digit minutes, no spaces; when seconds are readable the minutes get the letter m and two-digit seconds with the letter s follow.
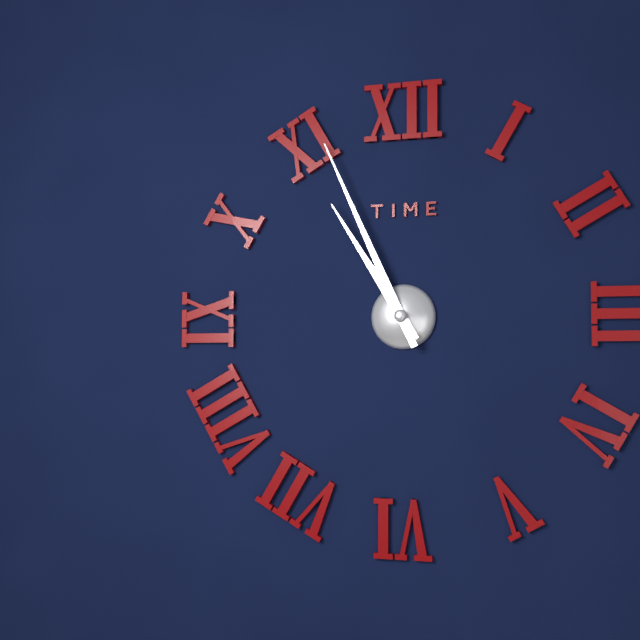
10h56
